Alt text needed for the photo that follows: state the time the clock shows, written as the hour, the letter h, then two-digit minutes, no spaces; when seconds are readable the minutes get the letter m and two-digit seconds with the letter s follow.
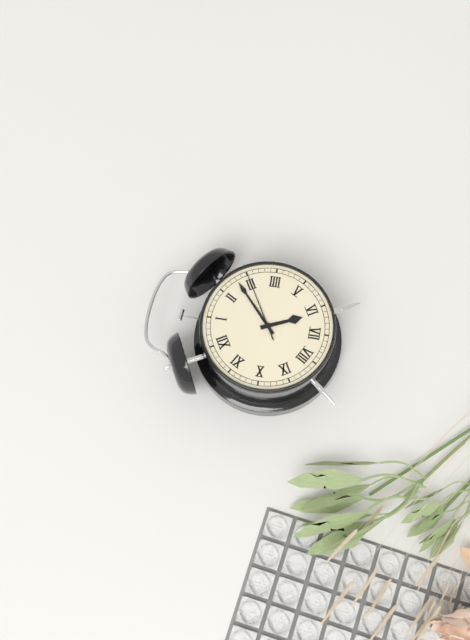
6h13m15s
